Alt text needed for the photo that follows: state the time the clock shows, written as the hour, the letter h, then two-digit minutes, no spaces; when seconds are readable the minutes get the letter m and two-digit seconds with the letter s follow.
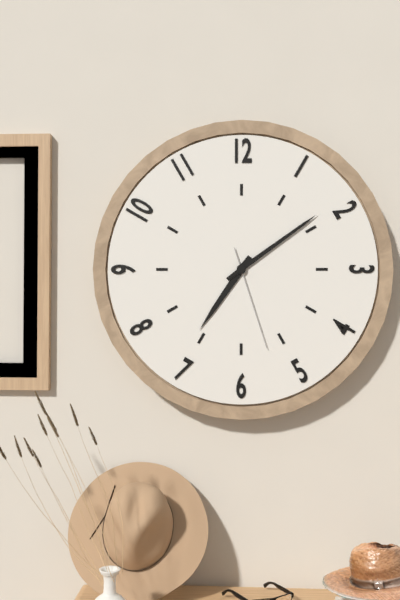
7h09m27s
